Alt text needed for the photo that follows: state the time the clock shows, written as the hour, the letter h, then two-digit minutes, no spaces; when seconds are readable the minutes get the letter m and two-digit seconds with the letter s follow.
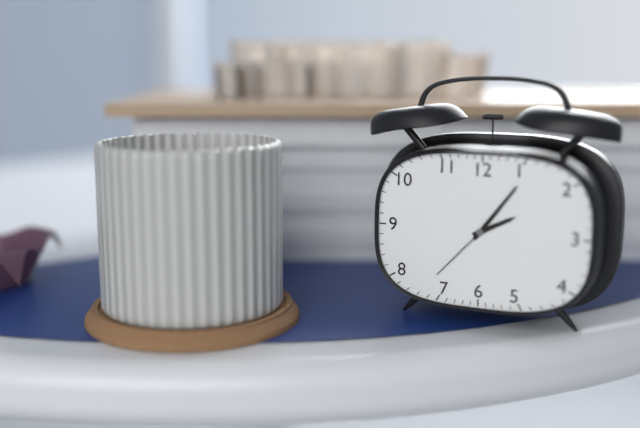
2h06m37s
